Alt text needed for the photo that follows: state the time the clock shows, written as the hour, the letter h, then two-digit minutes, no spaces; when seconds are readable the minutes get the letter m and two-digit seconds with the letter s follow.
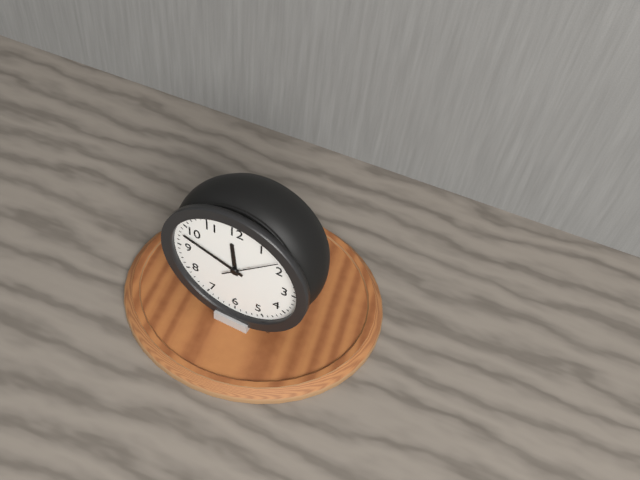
11h48m08s
